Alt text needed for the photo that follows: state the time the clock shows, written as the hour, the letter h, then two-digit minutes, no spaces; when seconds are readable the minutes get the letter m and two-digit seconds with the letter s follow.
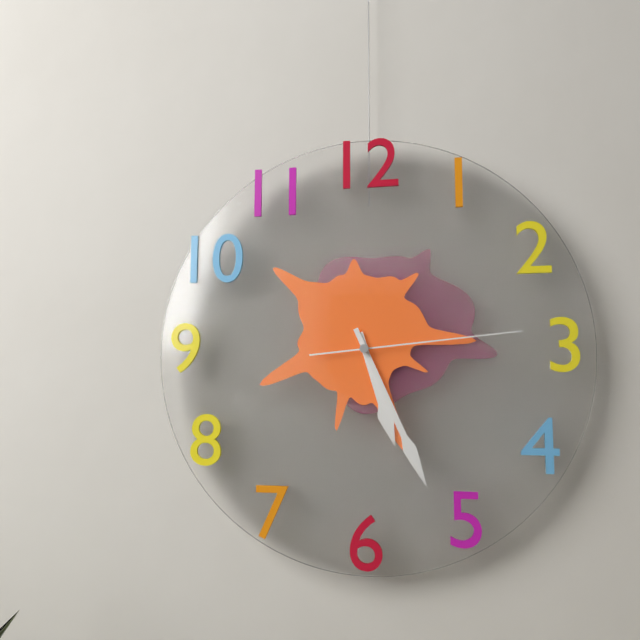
5h26m14s
